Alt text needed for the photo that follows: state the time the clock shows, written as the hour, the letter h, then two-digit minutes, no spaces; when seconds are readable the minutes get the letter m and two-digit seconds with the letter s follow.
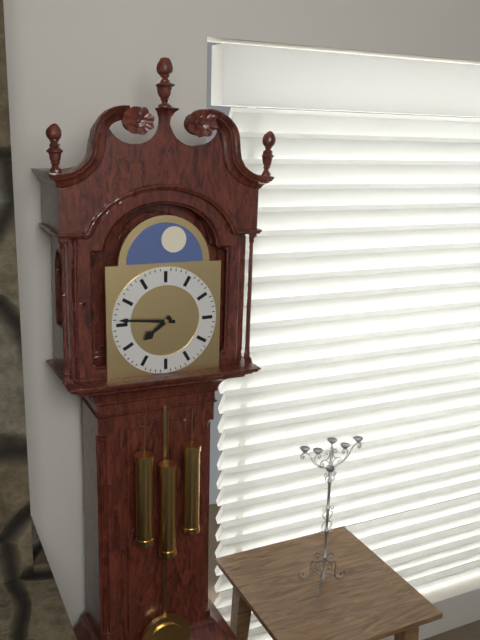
7h46
